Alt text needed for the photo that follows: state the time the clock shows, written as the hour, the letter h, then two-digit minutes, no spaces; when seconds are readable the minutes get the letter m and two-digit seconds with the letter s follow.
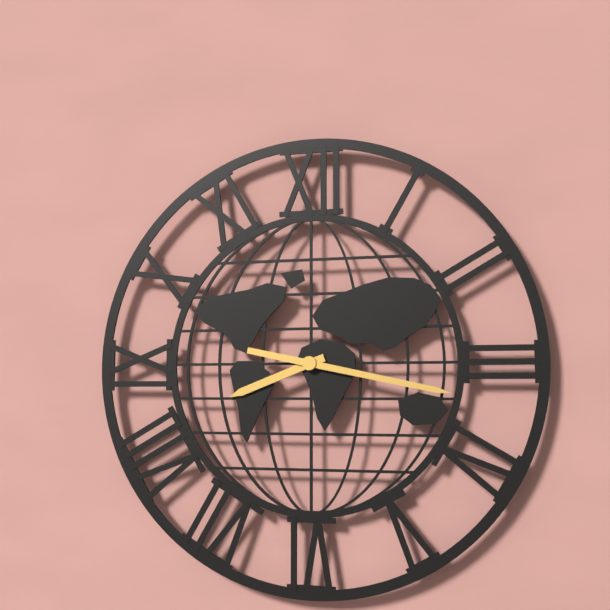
8h17
